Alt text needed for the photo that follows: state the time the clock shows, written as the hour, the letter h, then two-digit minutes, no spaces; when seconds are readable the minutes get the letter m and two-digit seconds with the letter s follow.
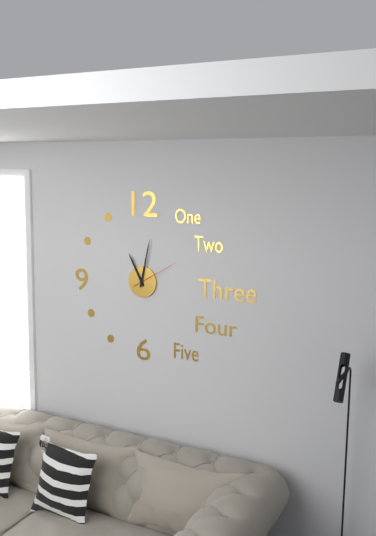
11h02m10s
